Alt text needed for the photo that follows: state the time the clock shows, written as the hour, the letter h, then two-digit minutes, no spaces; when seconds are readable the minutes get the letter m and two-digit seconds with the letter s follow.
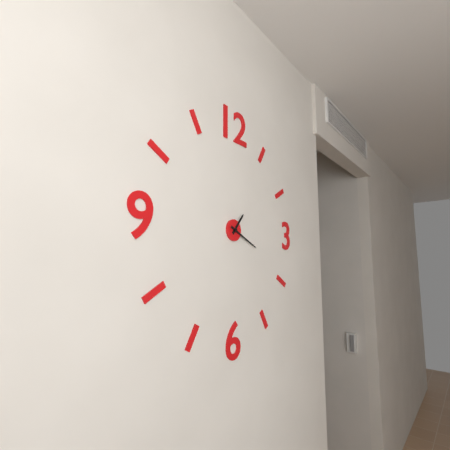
1h19
